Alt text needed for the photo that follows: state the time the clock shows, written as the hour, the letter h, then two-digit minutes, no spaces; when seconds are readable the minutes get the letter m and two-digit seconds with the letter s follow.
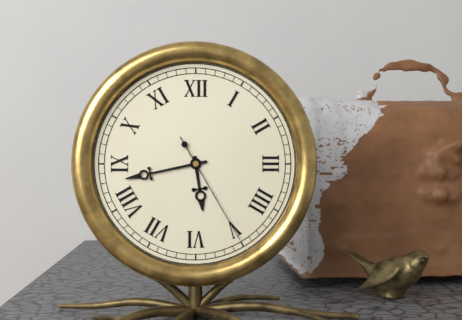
5h43m25s
